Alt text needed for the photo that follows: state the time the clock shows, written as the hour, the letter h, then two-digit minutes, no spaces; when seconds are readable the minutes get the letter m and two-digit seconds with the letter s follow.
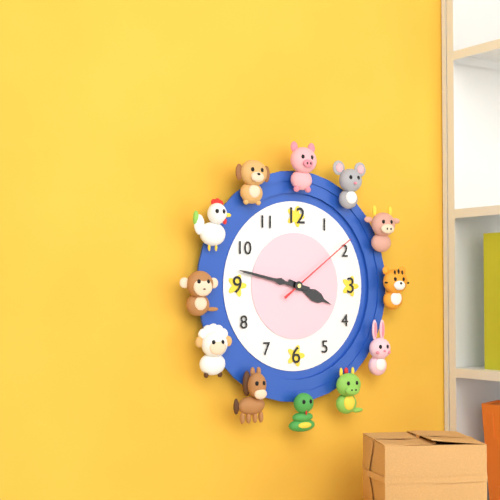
3h47m09s
